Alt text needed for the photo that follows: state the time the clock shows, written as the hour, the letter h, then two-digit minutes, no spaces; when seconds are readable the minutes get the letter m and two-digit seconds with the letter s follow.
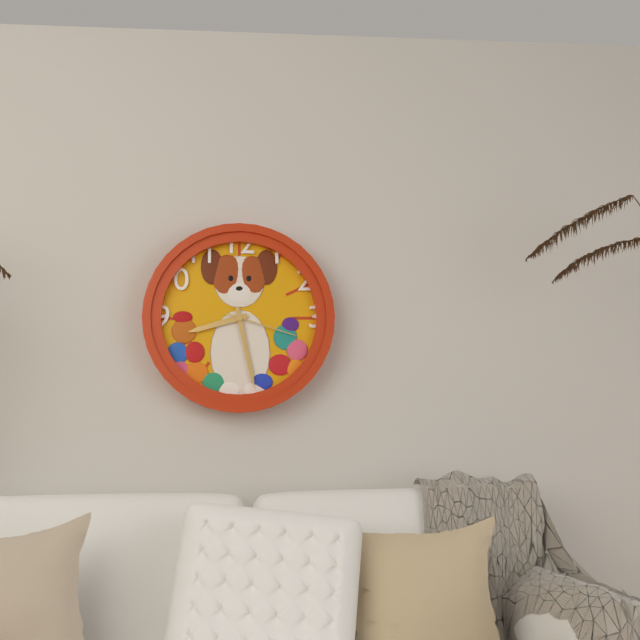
8h28m18s
